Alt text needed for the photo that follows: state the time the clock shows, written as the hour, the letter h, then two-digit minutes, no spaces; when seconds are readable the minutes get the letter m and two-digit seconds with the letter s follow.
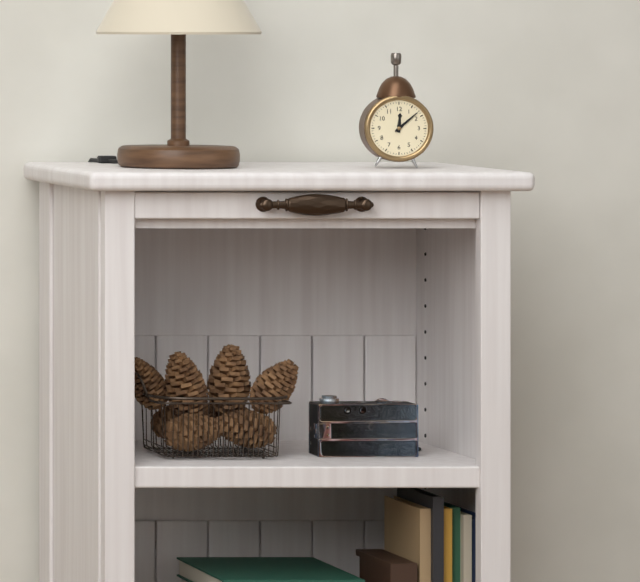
12h08
